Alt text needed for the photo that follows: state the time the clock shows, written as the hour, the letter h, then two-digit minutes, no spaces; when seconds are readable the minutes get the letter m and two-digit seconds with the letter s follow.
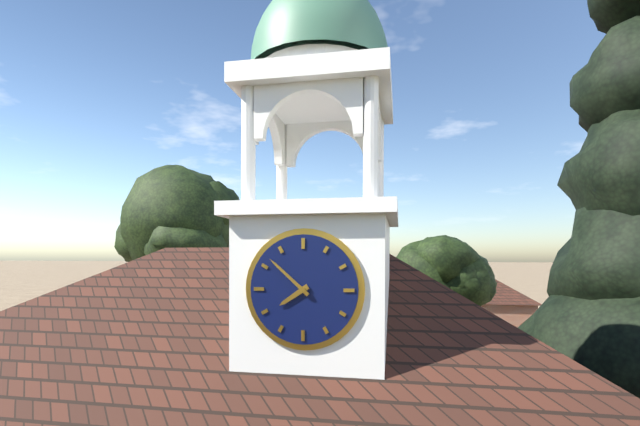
7h52
